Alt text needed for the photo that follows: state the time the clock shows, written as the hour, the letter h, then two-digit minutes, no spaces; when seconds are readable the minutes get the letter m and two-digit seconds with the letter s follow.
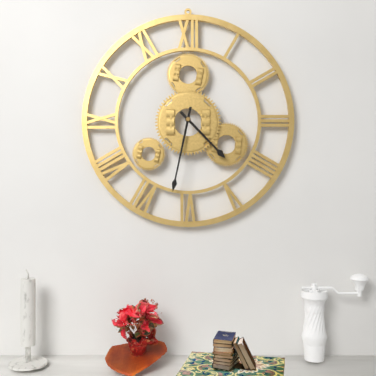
4h32
